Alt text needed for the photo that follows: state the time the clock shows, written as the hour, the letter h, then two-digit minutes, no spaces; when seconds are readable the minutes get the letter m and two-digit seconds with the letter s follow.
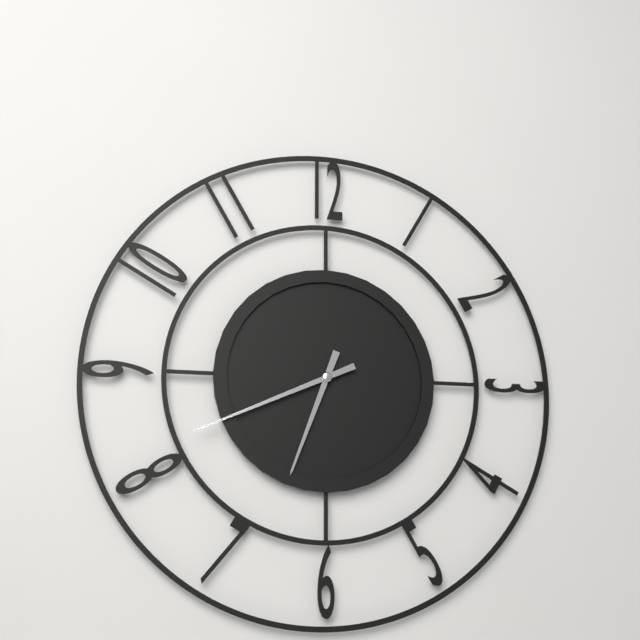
6h41
